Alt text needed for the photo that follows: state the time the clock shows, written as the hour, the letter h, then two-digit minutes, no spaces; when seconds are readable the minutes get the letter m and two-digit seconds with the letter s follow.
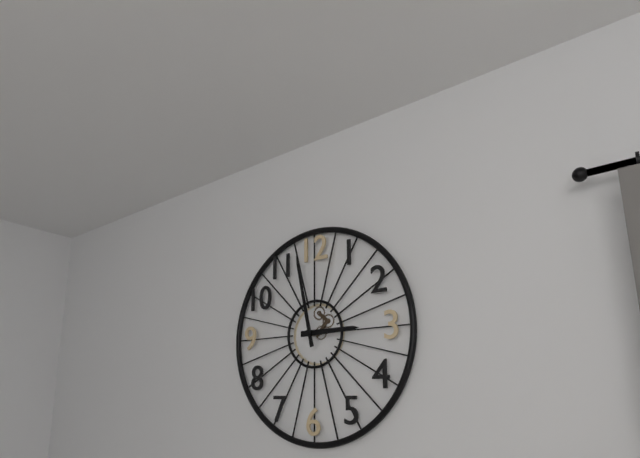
2h58
